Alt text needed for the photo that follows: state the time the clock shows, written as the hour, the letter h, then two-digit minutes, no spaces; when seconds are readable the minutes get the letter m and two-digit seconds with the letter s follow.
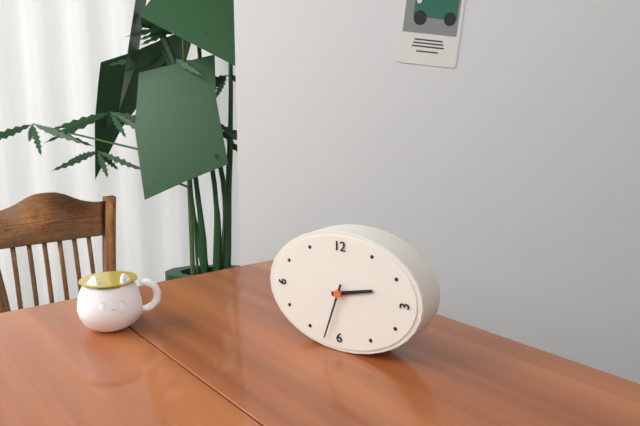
2h33
